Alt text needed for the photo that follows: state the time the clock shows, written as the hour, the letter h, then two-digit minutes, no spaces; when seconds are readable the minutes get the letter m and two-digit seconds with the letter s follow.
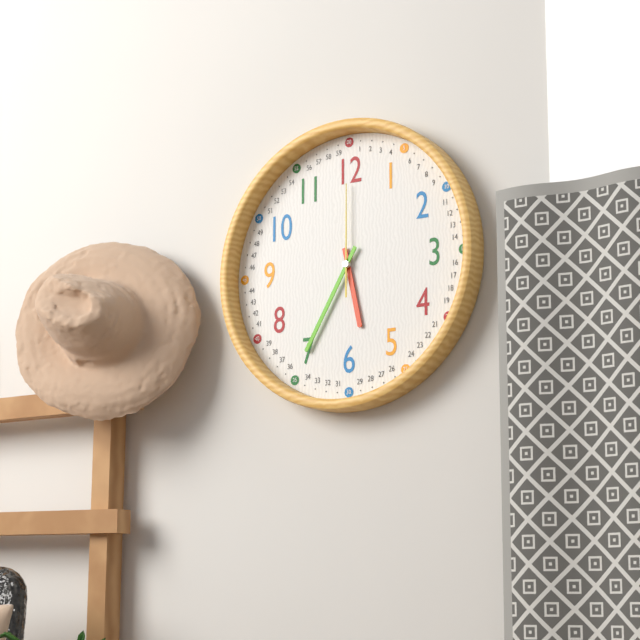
5h35m00s
